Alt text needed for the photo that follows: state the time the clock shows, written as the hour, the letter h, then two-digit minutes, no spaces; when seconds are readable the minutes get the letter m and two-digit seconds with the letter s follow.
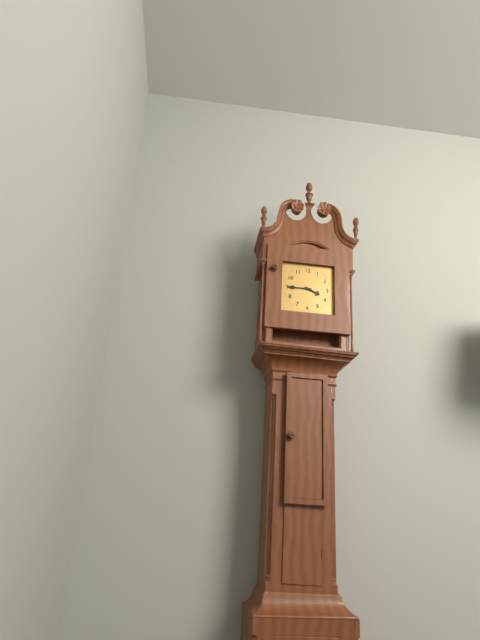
3h45
